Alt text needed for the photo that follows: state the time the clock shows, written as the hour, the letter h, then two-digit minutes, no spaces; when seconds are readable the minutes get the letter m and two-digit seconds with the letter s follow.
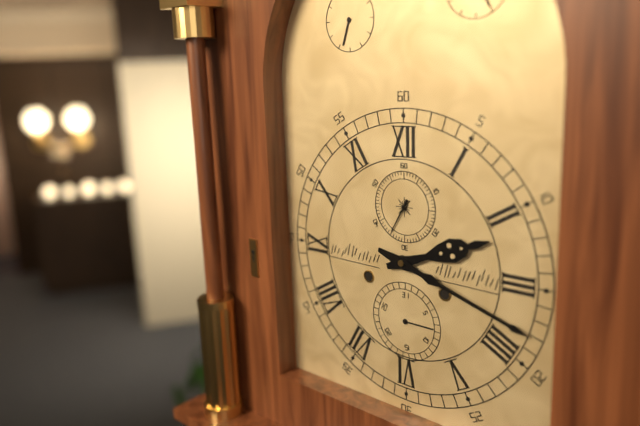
2h18
